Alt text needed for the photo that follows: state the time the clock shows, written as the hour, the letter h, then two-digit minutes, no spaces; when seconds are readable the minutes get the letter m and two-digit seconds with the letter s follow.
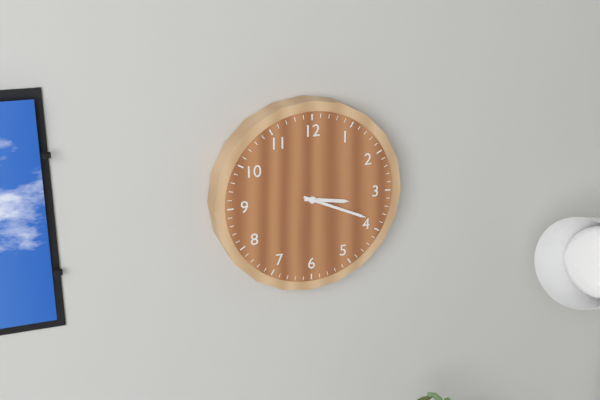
3h19
